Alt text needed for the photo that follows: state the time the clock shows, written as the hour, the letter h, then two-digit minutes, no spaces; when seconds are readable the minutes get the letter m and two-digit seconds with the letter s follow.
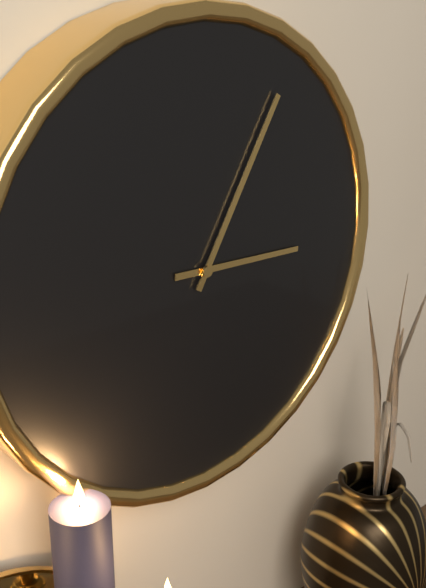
3h05
